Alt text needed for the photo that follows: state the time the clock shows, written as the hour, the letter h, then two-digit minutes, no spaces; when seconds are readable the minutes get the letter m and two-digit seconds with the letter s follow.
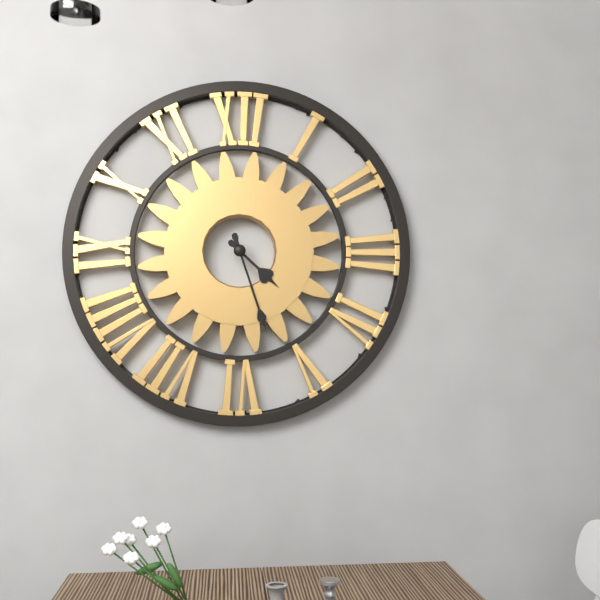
4h27
